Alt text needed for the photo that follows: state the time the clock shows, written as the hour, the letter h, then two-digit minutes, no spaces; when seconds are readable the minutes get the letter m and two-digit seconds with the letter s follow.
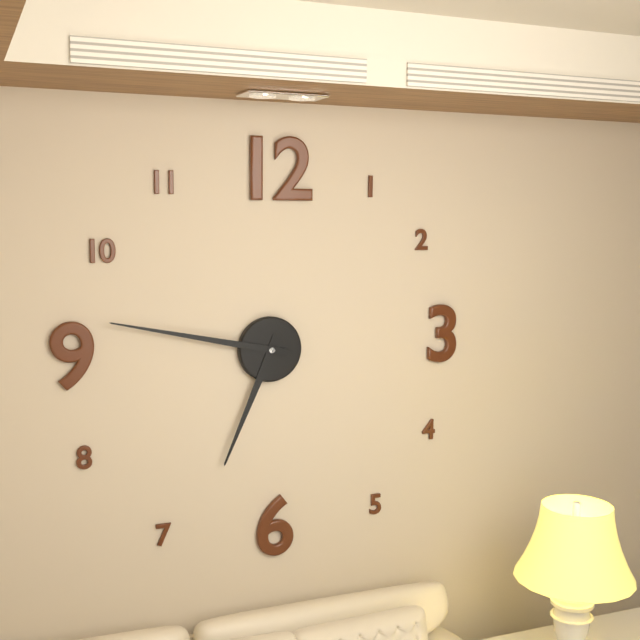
6h47
